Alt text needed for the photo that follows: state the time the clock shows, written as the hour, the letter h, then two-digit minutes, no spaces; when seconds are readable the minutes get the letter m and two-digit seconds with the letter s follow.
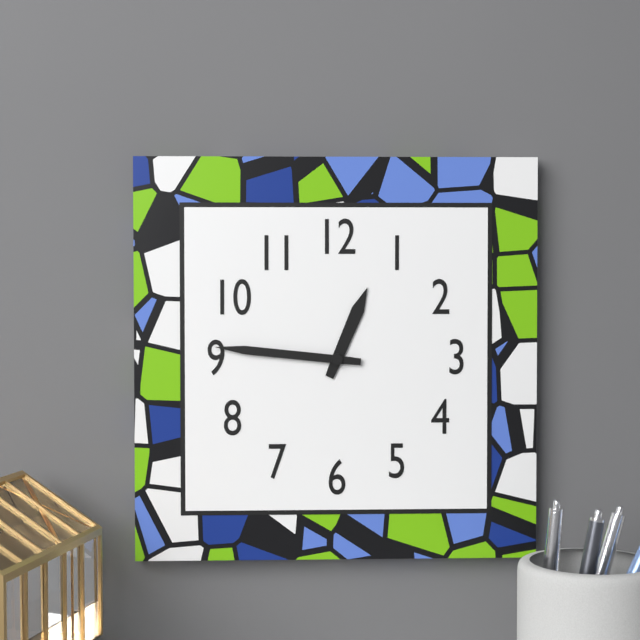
12h46
